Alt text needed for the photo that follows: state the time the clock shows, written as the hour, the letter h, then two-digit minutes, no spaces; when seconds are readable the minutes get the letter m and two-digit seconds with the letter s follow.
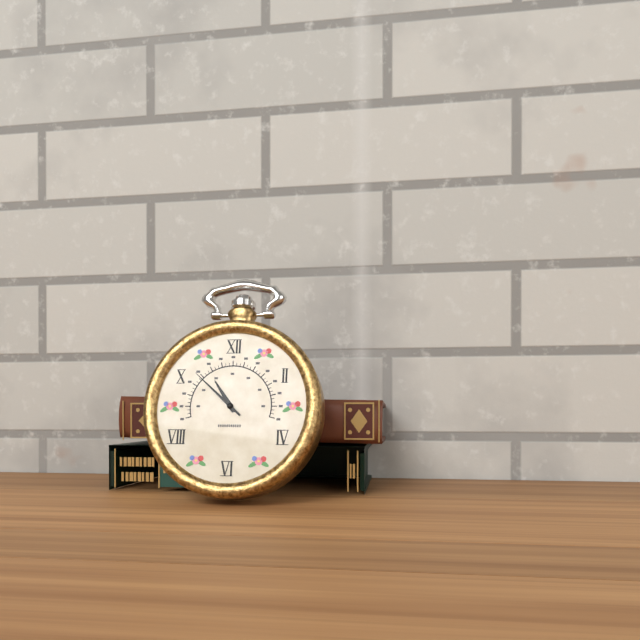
10h52
